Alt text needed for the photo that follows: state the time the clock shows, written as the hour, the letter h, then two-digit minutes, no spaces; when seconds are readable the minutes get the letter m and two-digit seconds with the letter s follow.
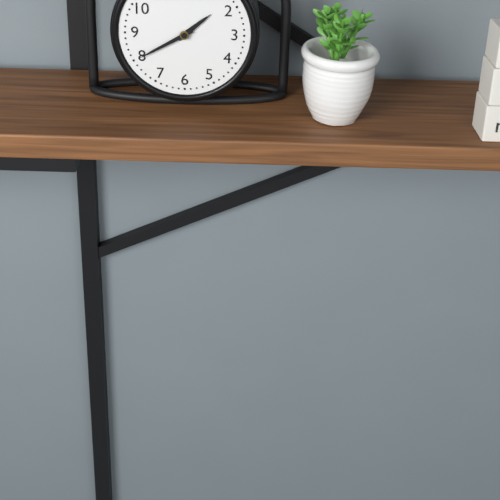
1h40
